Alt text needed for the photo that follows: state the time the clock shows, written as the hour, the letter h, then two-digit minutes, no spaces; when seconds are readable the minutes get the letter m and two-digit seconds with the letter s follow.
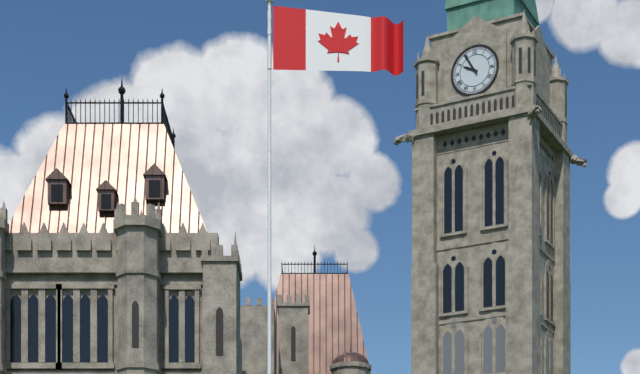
9h55
